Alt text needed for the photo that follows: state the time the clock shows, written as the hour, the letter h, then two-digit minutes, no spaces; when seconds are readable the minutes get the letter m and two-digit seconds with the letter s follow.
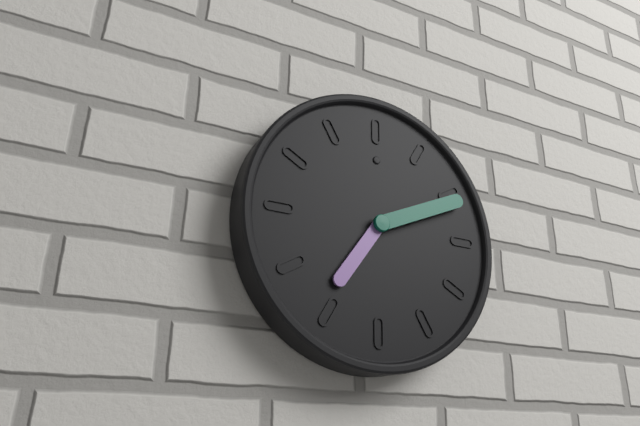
7h11
